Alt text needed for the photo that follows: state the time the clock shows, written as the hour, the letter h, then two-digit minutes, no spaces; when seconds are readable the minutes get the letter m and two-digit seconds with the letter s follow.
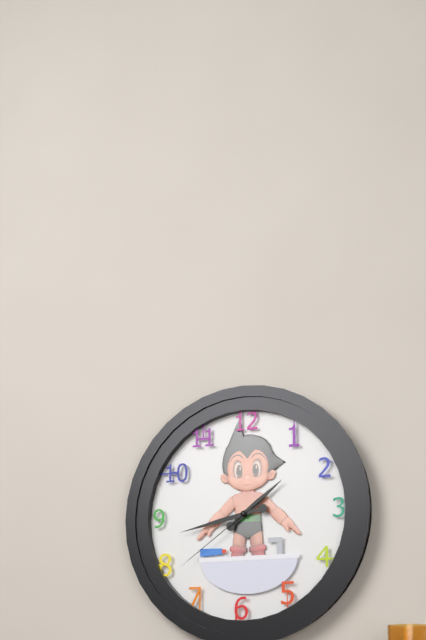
1h43m39s
